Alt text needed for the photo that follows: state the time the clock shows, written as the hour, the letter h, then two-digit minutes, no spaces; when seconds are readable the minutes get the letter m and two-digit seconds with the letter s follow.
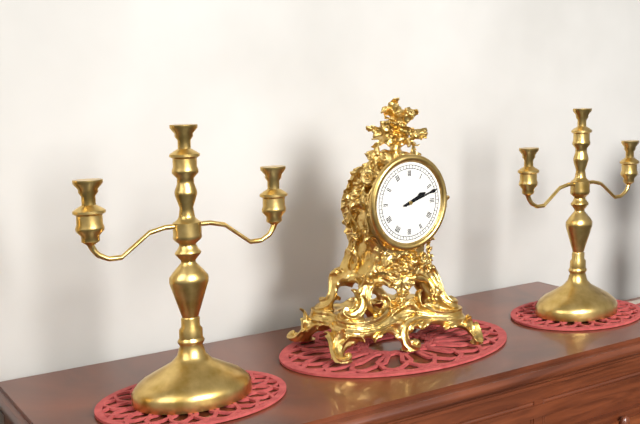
2h12
